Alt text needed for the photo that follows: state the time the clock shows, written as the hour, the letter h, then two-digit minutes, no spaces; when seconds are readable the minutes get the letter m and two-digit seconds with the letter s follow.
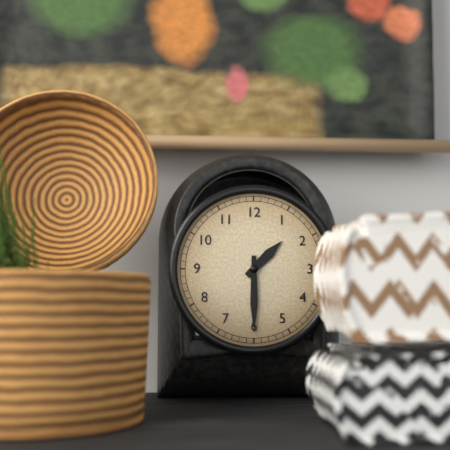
1h30
